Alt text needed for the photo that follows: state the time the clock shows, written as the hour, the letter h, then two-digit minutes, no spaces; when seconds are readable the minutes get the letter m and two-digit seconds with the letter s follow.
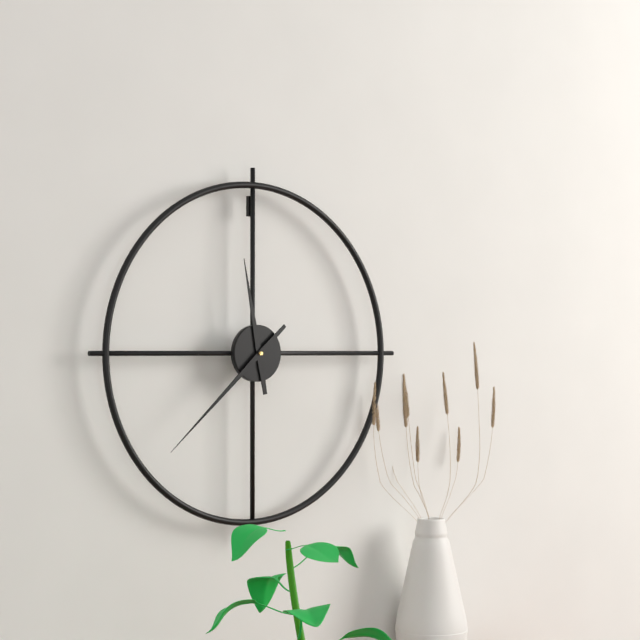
11h38
